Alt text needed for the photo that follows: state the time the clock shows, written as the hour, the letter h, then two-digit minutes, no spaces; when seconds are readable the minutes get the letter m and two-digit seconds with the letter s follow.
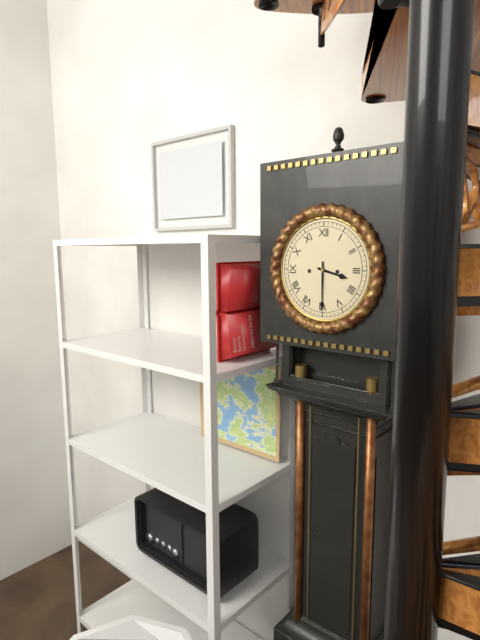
3h30
